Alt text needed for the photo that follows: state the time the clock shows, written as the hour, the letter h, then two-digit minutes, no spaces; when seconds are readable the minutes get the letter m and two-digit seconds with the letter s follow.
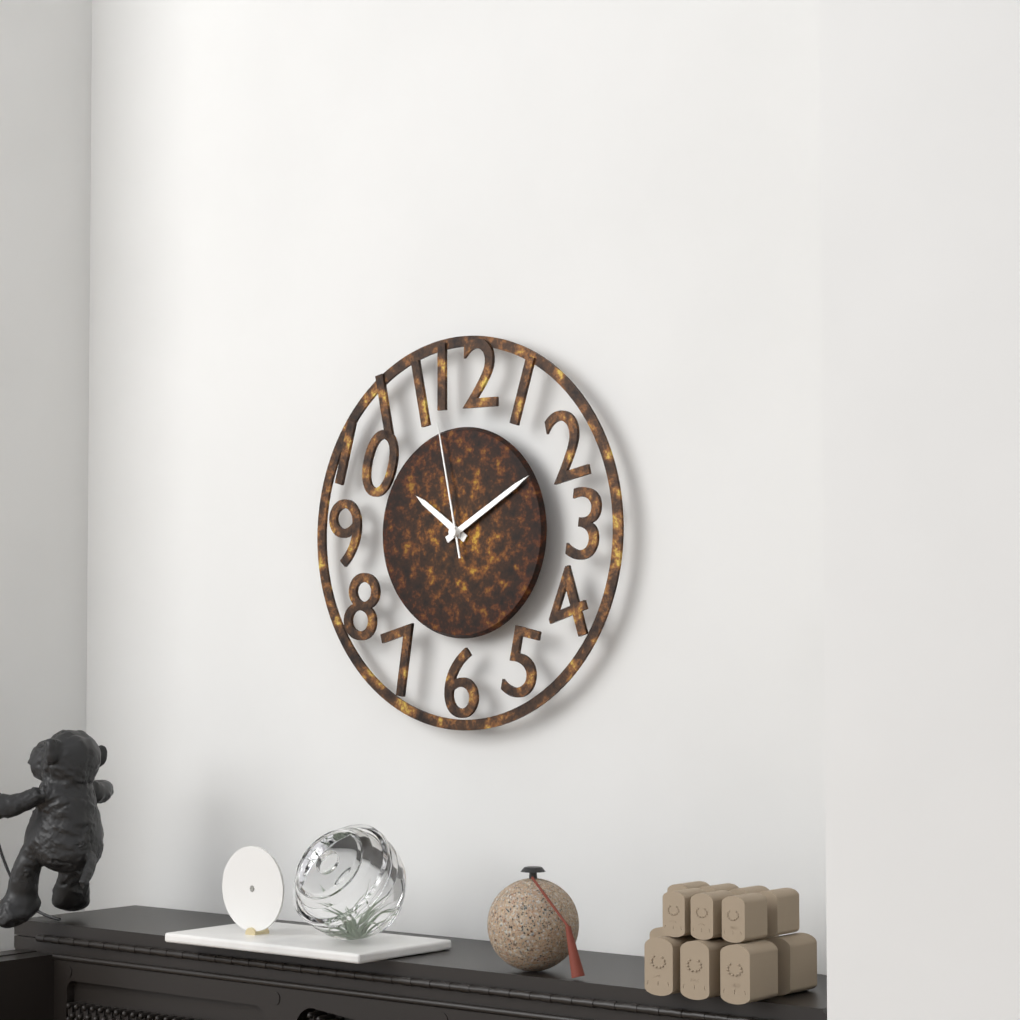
10h10m58s
